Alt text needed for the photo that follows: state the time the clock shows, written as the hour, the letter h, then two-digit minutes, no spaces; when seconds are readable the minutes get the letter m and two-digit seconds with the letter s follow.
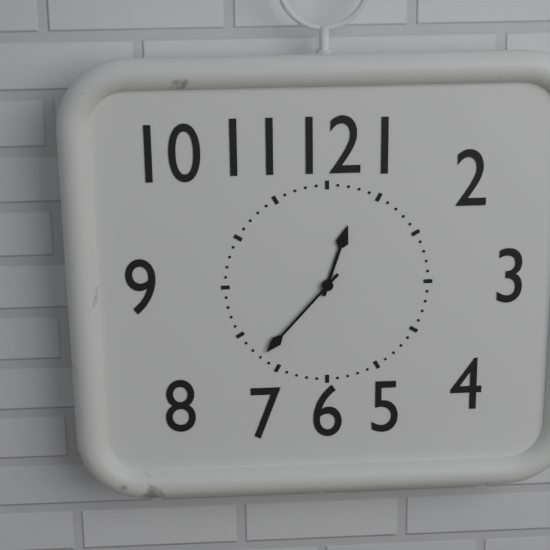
12h37
